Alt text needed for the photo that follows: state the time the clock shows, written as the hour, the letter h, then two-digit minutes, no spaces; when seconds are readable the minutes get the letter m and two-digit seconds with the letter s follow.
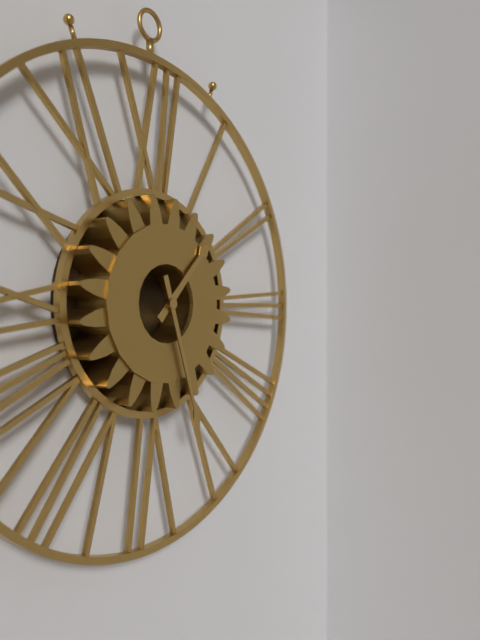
1h27
